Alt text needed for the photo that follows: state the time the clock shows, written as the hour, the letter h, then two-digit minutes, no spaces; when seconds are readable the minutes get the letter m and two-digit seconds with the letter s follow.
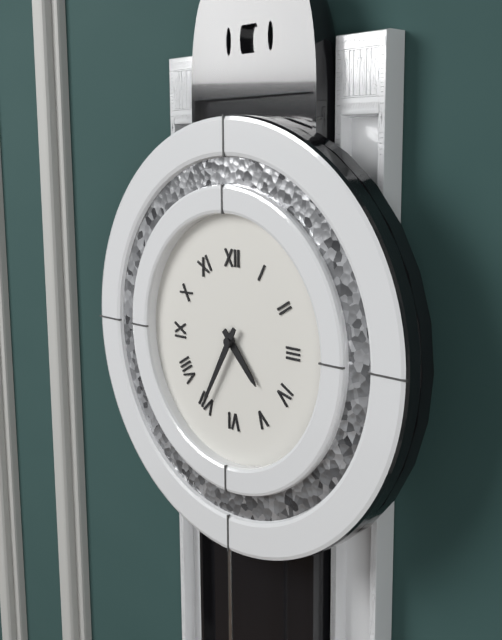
4h35
